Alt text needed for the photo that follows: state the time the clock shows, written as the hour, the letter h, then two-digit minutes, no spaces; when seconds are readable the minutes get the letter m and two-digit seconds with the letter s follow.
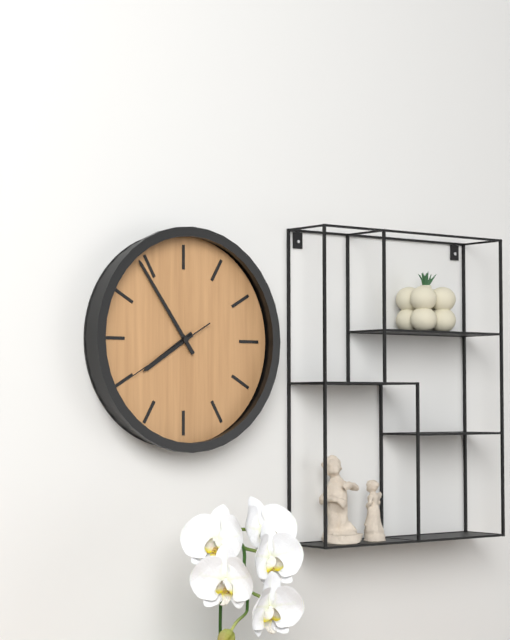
7h54m40s
